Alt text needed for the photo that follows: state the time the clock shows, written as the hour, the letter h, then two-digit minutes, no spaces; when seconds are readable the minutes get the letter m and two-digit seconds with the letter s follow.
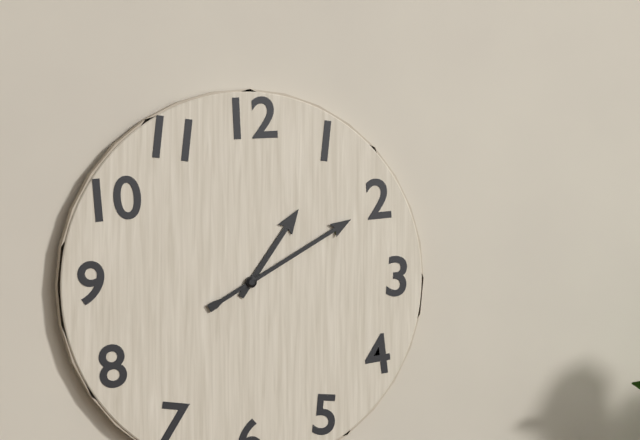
1h10
